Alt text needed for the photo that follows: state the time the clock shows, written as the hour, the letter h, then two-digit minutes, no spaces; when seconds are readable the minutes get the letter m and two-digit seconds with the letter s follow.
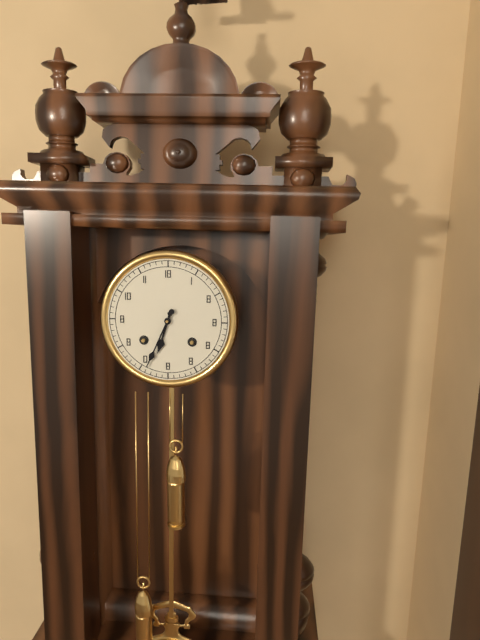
6h34
